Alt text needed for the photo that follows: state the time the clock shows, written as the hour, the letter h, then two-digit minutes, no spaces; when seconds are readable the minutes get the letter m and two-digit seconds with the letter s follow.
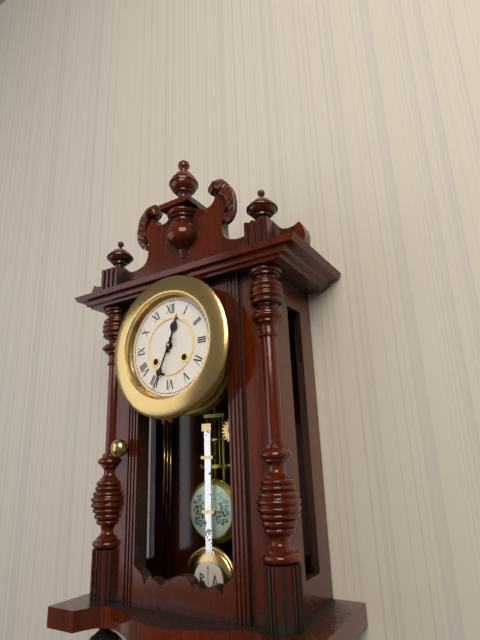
12h34
